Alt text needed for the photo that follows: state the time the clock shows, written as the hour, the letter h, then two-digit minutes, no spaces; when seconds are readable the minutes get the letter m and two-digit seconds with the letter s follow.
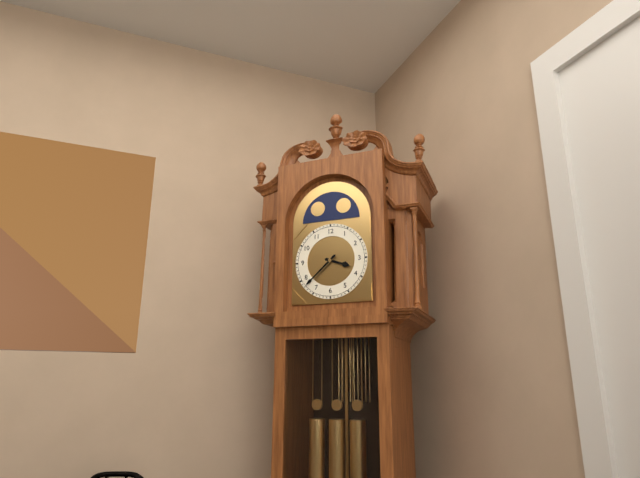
3h38
